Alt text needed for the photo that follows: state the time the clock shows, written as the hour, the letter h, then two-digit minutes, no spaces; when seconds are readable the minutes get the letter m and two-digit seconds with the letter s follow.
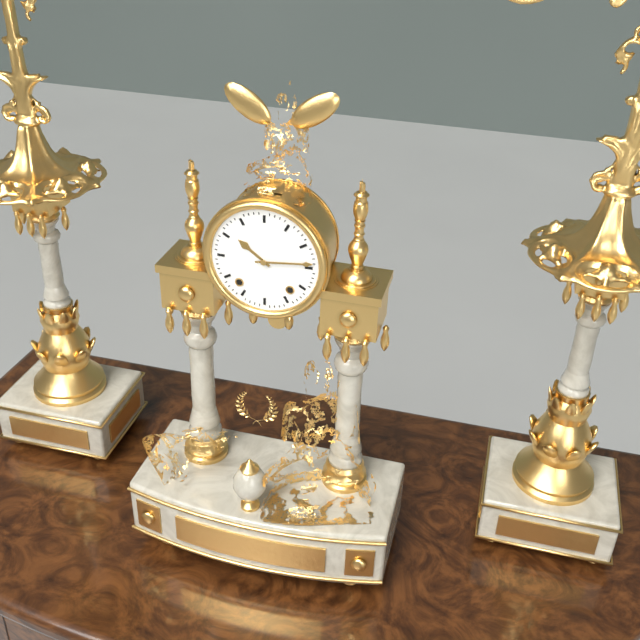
10h14
